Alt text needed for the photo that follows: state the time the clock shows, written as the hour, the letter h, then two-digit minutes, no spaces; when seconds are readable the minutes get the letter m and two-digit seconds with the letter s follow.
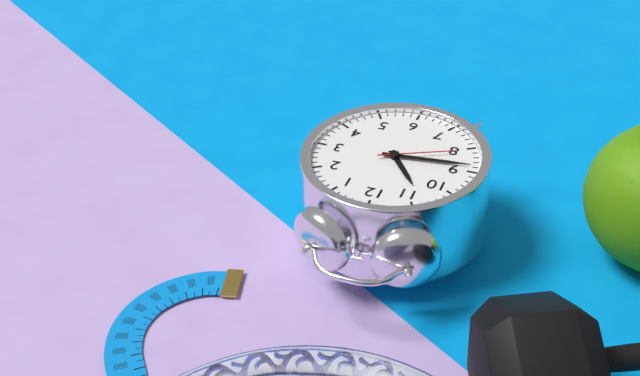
10h44m41s
